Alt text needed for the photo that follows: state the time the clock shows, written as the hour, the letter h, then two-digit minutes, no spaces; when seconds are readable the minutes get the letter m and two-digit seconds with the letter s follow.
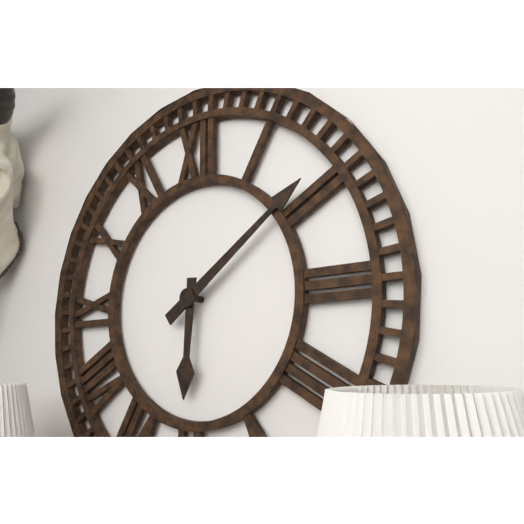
6h09
